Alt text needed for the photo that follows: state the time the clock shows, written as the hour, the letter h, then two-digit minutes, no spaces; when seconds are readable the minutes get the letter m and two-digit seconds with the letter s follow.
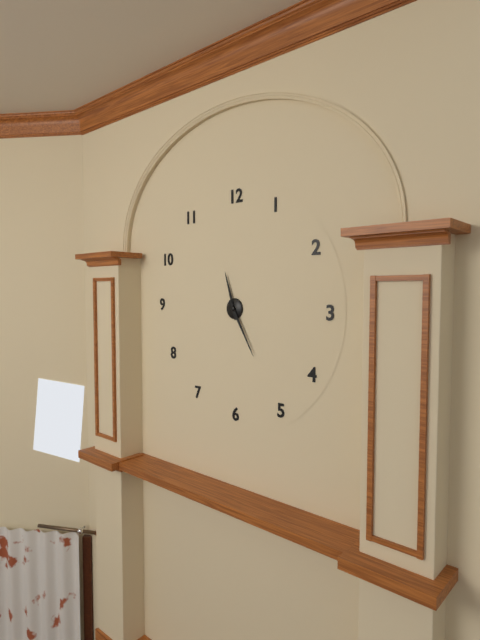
11h25
